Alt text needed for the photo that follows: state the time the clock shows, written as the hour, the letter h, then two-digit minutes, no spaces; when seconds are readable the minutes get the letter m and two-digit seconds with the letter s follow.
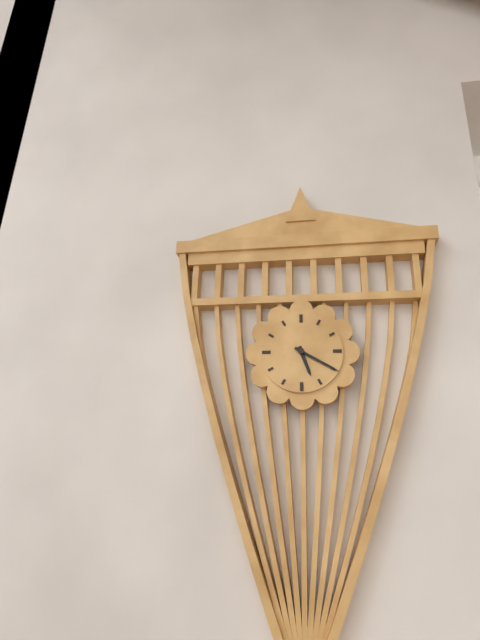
5h20
